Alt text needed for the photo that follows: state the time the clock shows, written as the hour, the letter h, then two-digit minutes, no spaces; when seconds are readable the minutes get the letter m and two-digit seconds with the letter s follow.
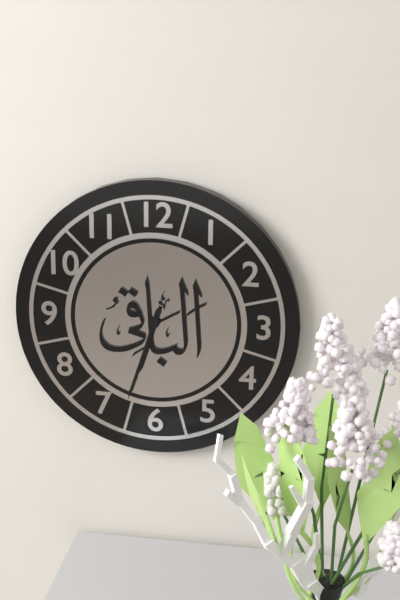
6h33
